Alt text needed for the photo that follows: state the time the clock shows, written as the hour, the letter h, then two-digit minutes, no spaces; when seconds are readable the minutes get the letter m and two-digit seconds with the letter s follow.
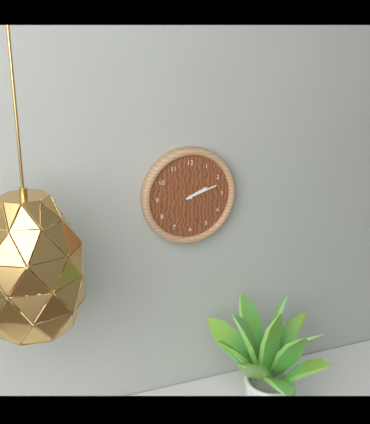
2h12
